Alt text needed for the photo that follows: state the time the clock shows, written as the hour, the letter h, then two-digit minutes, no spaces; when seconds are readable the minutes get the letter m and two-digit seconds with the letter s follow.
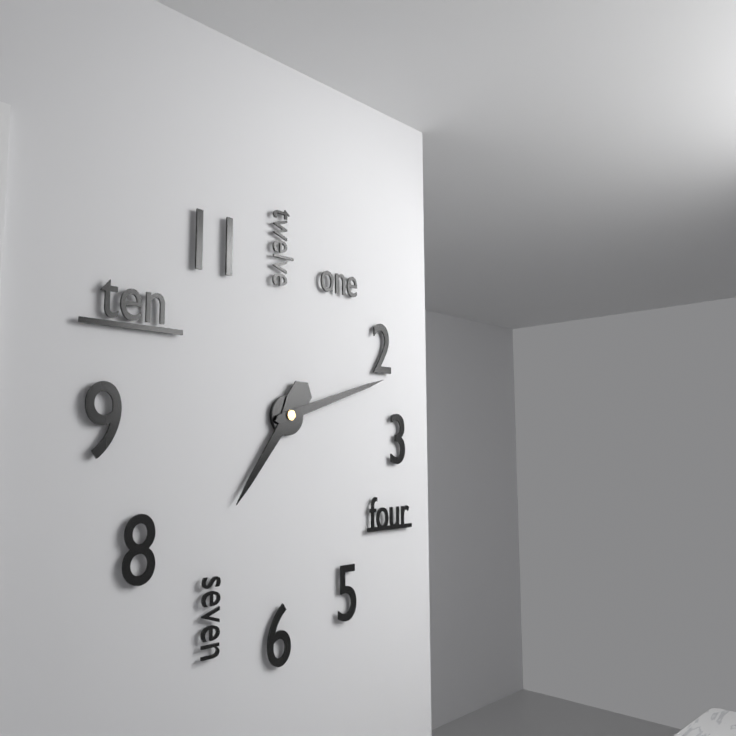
7h12
